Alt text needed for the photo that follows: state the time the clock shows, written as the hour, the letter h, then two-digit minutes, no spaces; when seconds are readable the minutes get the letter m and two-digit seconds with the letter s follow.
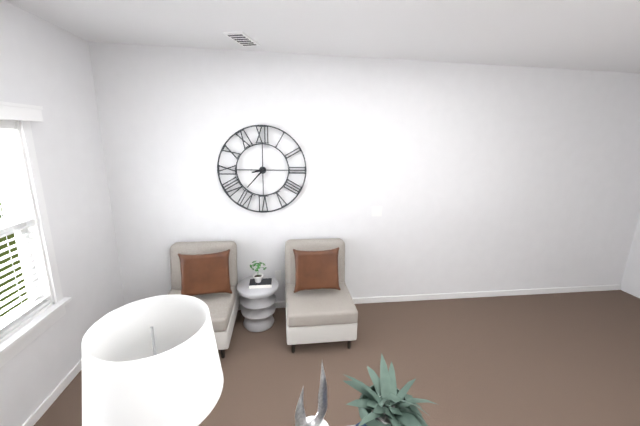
8h37
